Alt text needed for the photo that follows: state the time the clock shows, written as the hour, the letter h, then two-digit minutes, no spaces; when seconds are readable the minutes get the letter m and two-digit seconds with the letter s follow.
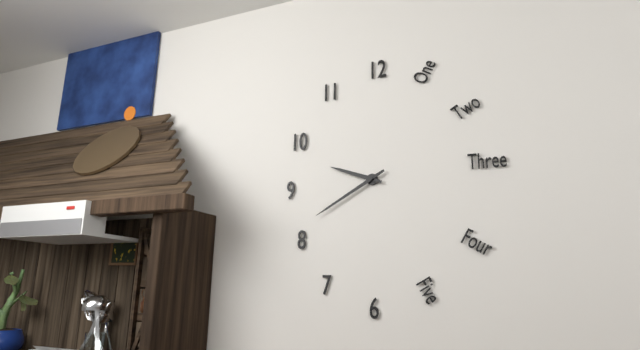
9h40
